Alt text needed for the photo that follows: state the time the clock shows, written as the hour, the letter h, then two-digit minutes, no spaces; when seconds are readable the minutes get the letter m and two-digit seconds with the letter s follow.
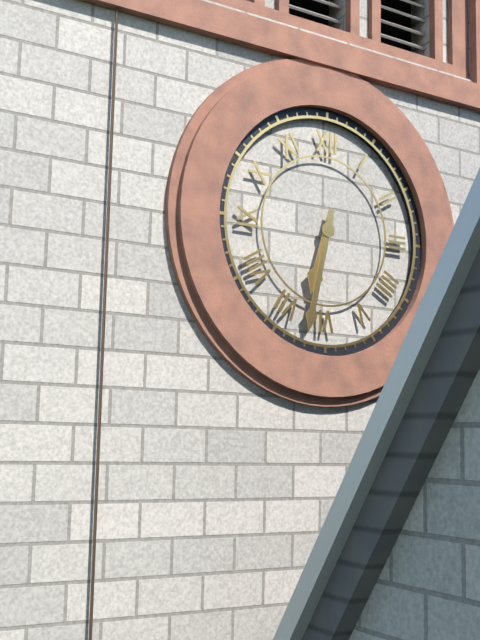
6h32
